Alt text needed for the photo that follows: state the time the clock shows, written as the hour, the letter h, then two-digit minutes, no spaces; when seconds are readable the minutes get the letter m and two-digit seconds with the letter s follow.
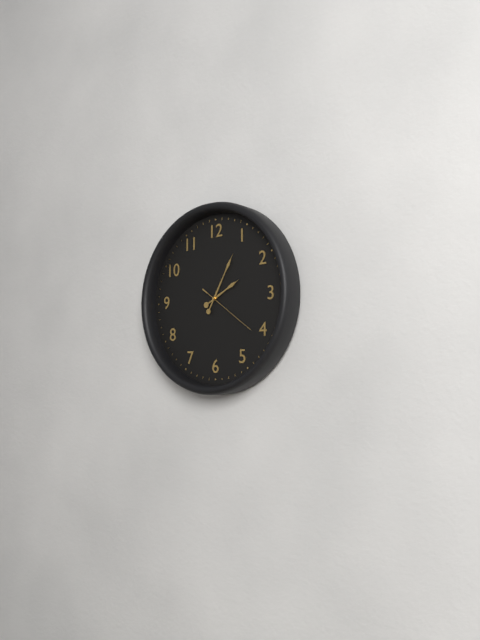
2h05m21s
